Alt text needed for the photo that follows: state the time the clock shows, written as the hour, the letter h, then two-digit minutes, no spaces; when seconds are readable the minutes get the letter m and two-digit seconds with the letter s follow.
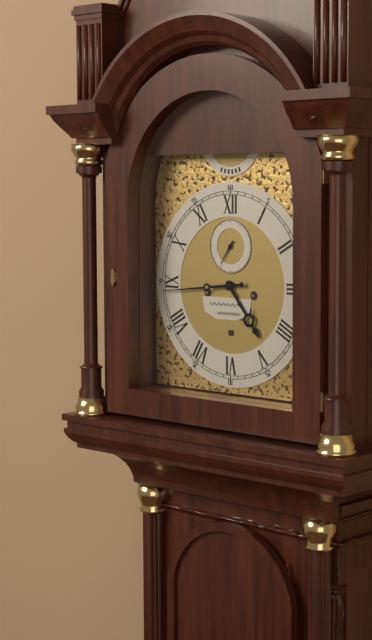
4h44
